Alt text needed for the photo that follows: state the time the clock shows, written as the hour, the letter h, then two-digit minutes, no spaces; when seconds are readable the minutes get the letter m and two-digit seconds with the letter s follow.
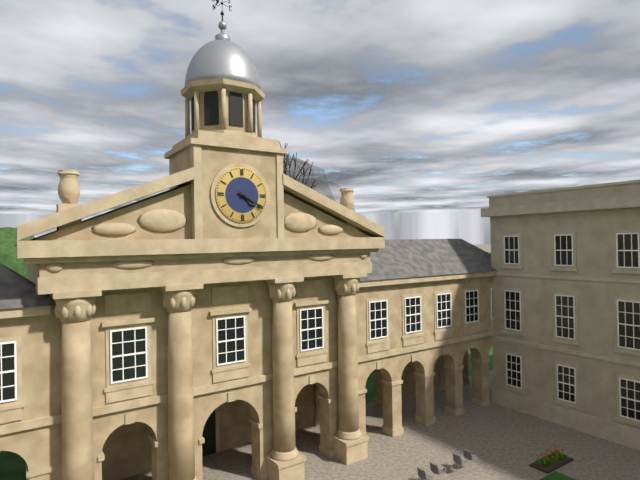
4h20
